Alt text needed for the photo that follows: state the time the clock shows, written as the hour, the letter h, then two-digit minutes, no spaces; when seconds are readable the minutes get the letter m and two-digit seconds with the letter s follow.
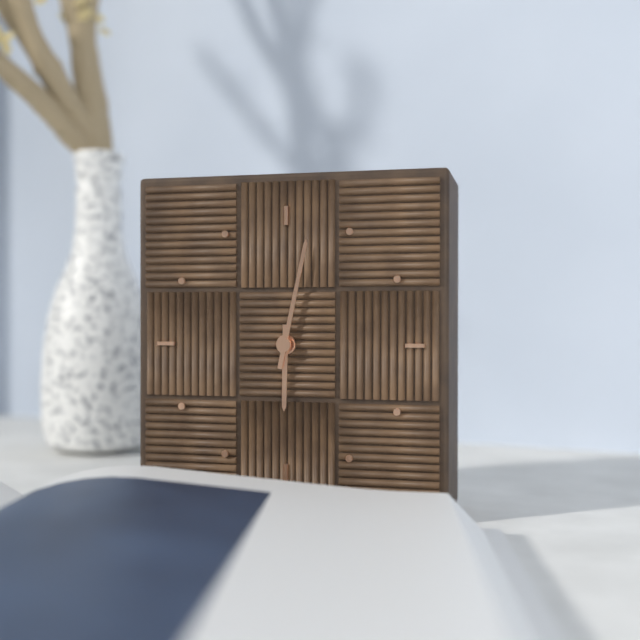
6h02
